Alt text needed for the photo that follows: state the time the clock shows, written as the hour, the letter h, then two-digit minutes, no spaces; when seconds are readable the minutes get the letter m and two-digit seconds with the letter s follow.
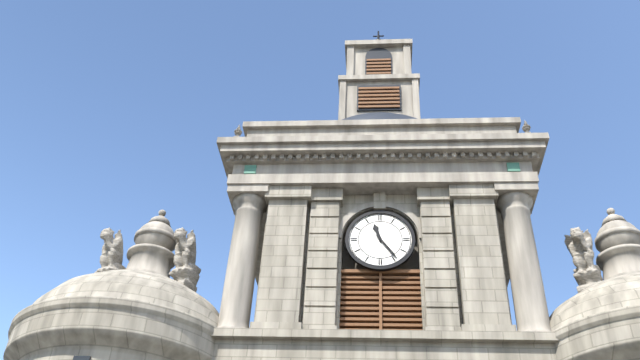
11h24
